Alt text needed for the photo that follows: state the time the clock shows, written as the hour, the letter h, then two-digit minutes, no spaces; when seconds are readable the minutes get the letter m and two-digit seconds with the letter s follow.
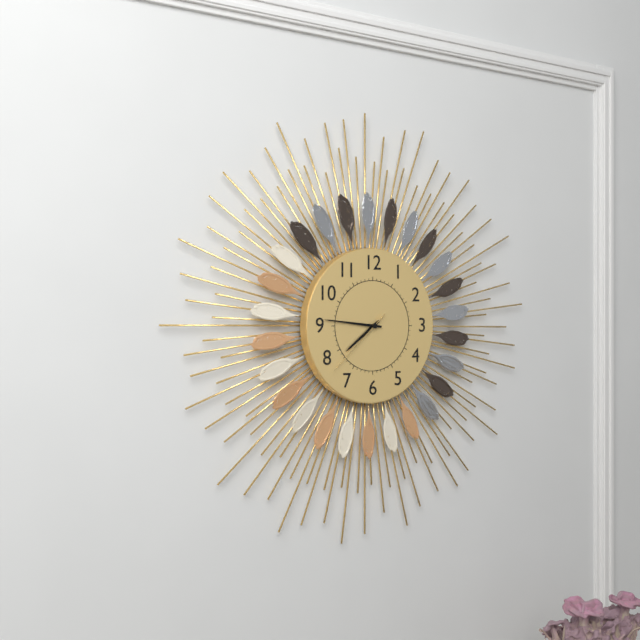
7h46m38s
